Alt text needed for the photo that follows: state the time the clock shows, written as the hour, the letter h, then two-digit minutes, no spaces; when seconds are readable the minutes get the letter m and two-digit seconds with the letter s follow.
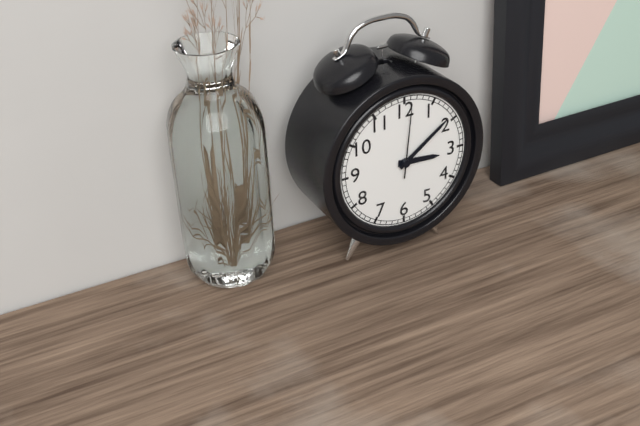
3h09m01s
